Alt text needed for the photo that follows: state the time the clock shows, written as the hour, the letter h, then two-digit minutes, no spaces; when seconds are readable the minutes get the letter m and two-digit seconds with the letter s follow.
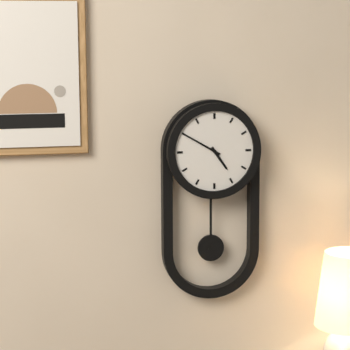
4h50
